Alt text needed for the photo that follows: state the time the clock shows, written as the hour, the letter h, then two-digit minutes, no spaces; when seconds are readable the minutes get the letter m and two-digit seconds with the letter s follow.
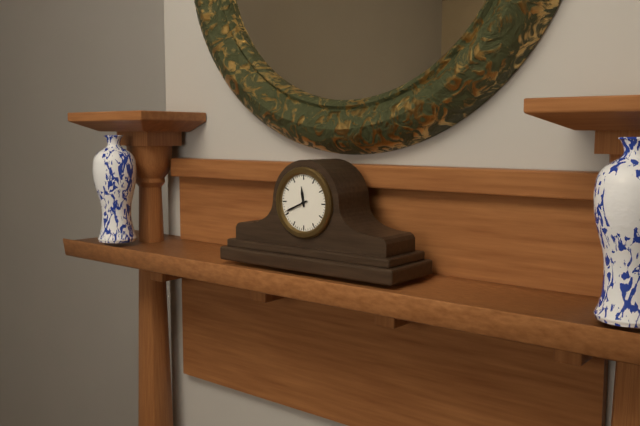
11h41
